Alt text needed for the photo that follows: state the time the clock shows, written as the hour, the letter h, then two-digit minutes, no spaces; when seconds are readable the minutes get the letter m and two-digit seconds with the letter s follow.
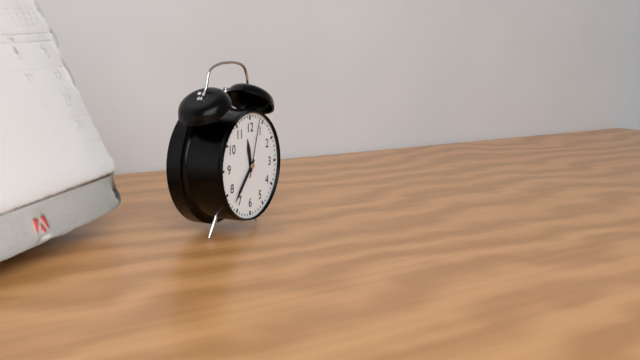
11h37m03s
